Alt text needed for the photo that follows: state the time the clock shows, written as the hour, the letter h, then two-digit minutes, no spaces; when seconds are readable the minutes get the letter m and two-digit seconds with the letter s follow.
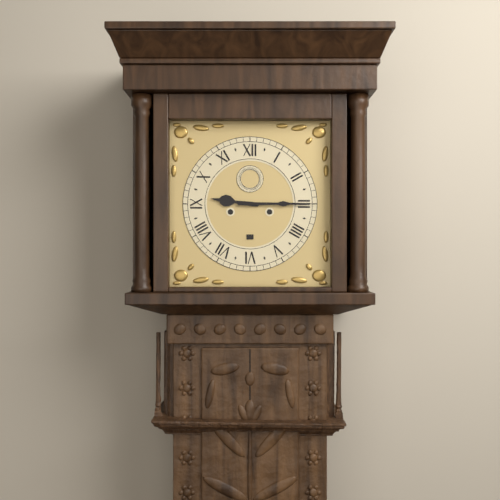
9h15
